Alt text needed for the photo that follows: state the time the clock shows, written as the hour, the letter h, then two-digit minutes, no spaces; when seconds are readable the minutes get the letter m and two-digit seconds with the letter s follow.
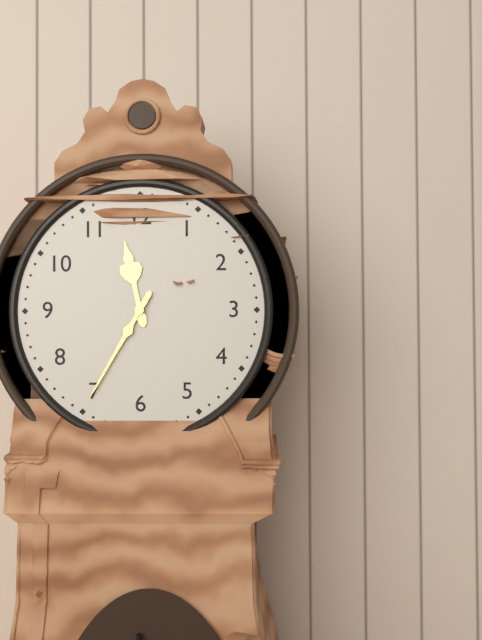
11h35
